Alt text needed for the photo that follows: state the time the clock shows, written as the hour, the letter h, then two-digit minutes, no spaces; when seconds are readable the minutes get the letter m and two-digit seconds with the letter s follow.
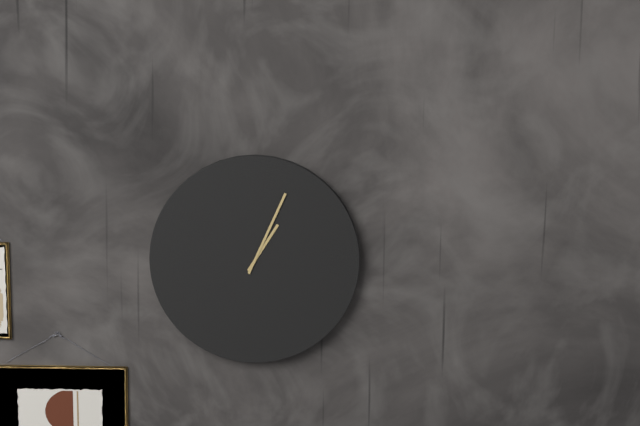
1h04
